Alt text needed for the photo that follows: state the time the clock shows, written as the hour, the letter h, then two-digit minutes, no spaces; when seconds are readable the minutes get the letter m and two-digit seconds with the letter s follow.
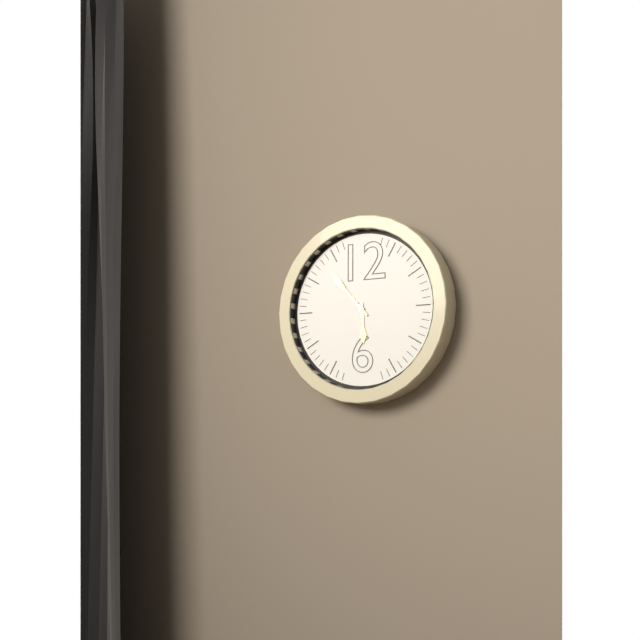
5h53
